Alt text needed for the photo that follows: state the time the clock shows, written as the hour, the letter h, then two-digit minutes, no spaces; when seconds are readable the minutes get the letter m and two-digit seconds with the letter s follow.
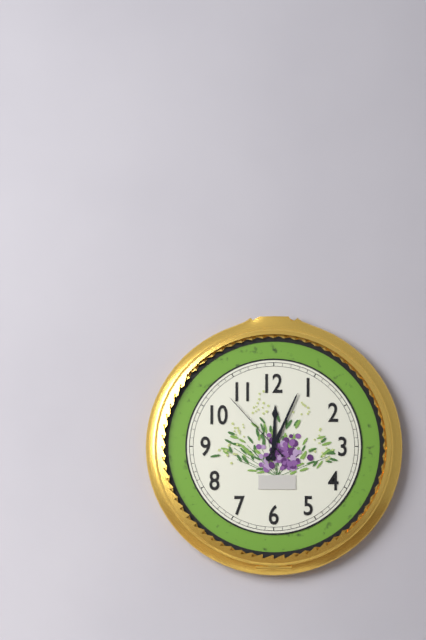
12h04m53s
